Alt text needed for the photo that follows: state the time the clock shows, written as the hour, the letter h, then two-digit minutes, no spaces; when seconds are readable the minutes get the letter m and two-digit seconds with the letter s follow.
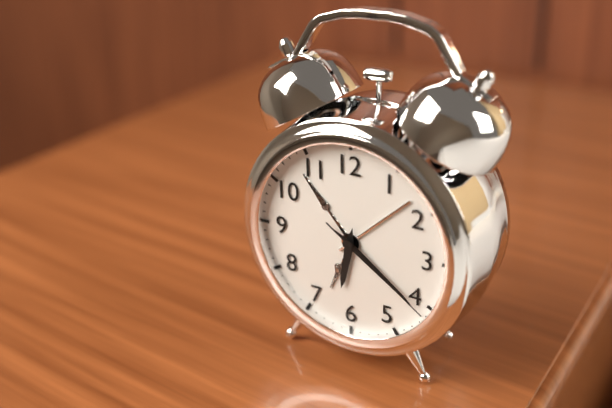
6h21m21s
